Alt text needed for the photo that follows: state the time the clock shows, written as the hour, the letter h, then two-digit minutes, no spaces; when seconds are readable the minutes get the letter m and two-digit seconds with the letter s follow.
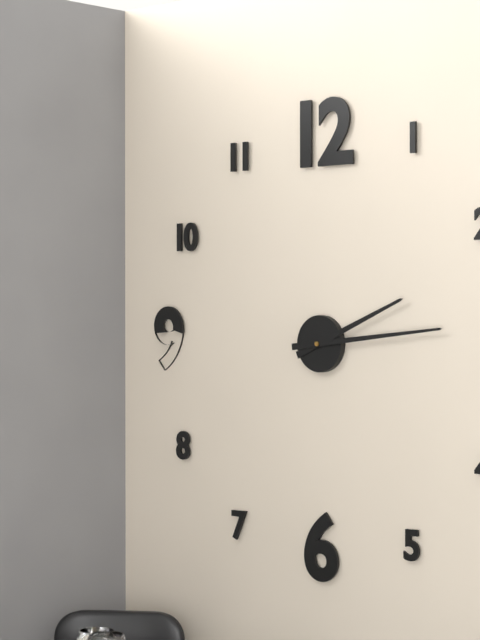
2h14
